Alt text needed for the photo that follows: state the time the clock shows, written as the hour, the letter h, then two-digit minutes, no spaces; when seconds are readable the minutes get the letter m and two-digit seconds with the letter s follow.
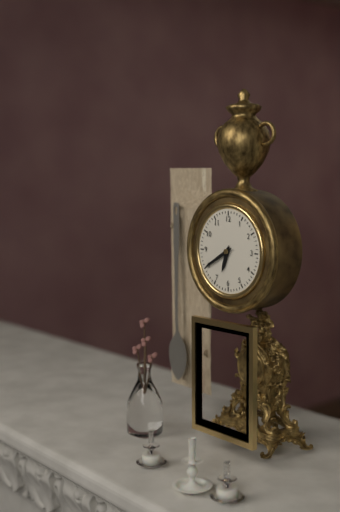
6h40
